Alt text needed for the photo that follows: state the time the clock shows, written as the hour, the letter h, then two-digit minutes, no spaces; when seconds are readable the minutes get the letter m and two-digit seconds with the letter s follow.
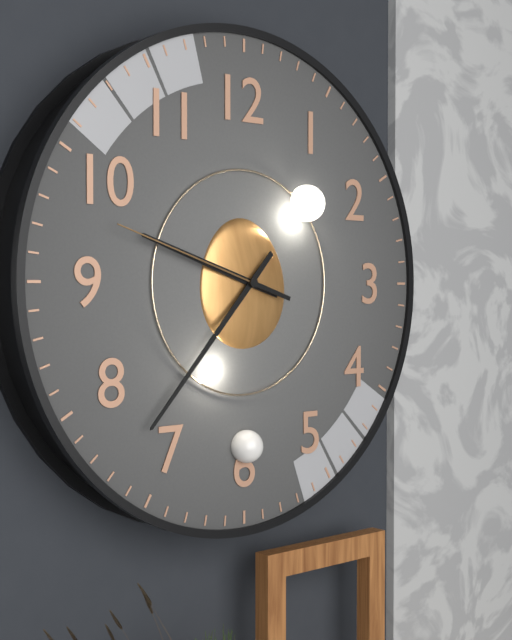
9h37m48s
